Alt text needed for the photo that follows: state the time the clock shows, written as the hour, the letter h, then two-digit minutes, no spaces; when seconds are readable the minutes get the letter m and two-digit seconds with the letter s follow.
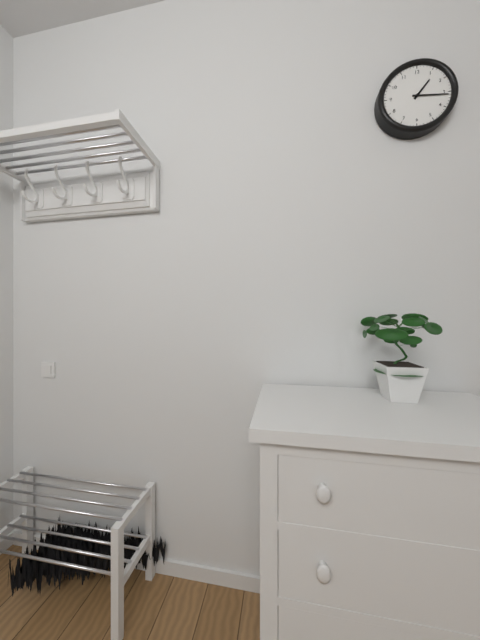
1h16
